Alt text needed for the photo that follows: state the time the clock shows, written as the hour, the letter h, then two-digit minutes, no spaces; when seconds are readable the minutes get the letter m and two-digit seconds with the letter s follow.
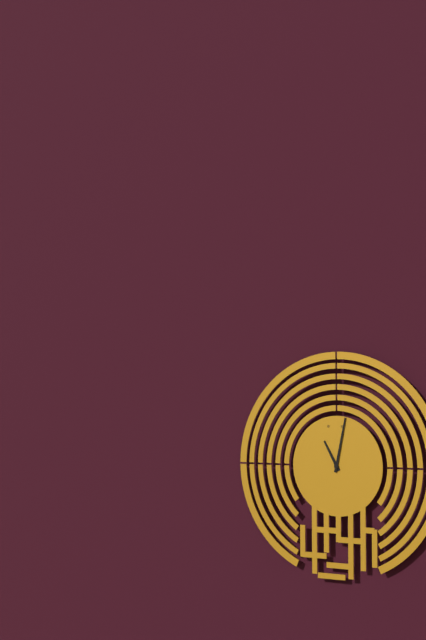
11h02
